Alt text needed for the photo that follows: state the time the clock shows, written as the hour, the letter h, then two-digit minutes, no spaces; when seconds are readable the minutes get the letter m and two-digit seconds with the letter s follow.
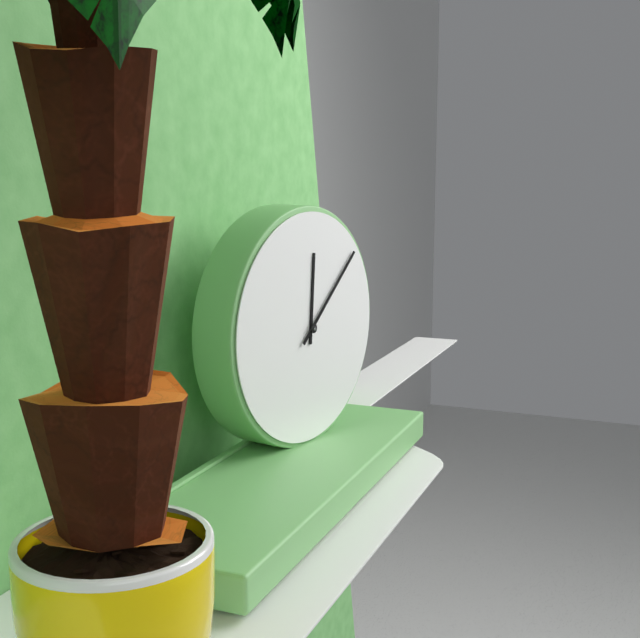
12h08
